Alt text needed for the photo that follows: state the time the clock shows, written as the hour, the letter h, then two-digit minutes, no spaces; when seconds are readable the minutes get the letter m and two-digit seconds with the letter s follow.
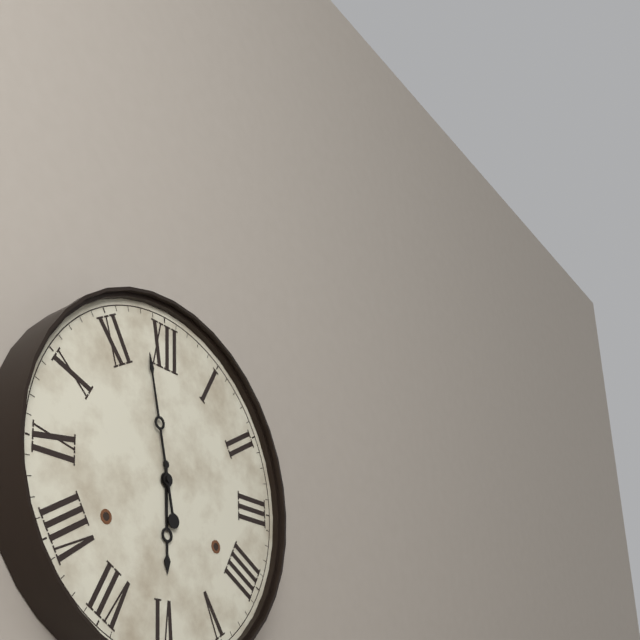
5h58
